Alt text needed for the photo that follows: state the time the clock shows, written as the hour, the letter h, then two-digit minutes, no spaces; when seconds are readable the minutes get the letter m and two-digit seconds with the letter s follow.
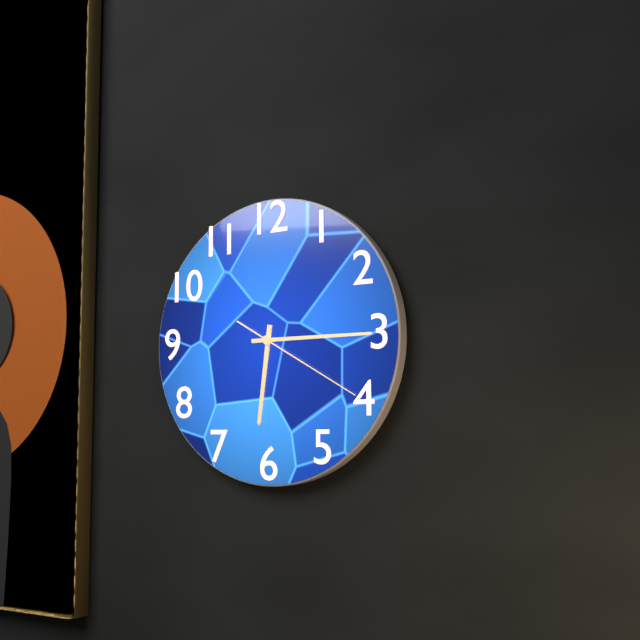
6h15m20s
